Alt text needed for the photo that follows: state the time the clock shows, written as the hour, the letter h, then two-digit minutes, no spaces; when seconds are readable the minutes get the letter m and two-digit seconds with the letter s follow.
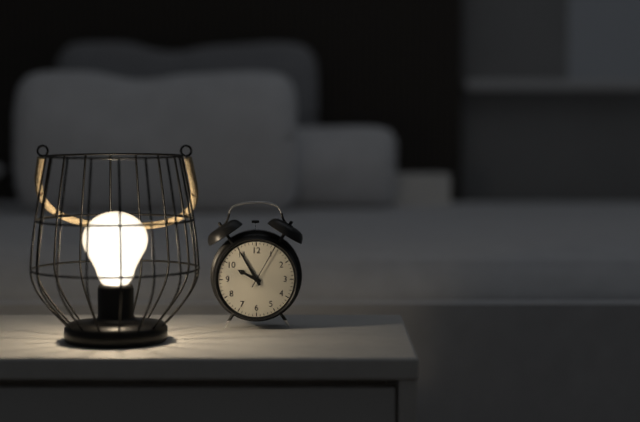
9h55
